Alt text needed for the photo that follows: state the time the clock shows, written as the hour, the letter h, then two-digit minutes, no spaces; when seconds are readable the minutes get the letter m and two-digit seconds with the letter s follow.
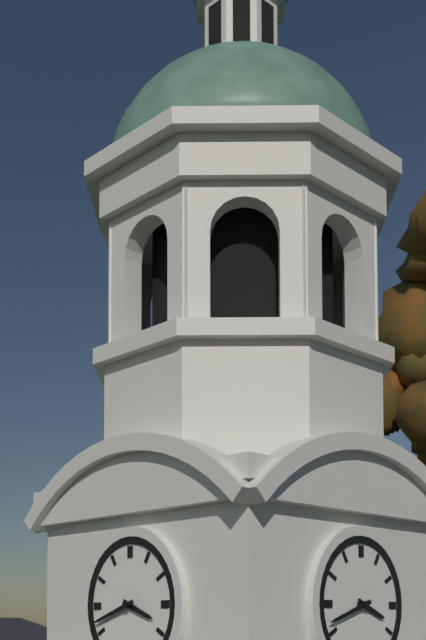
3h42
